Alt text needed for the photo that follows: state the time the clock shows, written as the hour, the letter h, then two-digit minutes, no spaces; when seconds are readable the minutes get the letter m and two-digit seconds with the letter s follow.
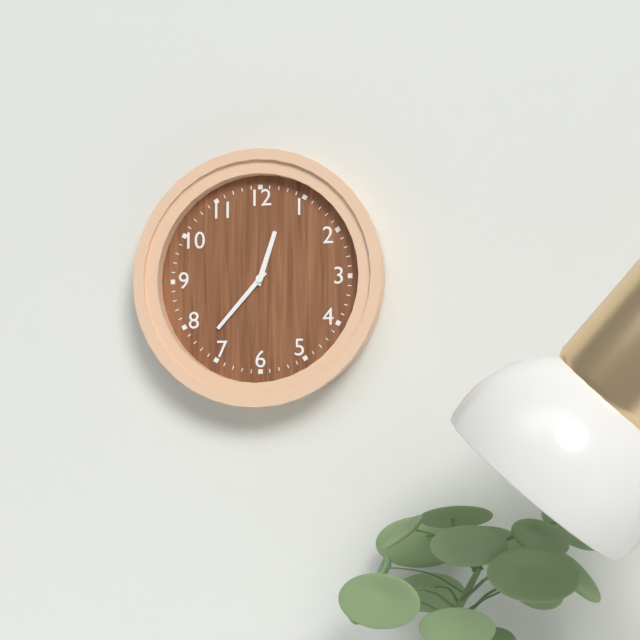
12h37
